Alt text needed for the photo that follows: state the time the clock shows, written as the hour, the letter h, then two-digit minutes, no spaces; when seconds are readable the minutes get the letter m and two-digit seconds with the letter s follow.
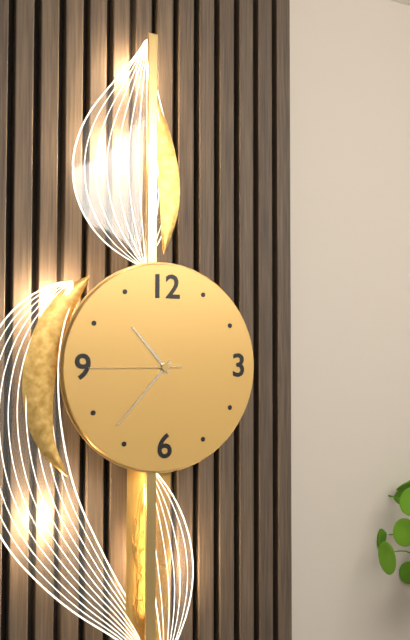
10h37m45s
